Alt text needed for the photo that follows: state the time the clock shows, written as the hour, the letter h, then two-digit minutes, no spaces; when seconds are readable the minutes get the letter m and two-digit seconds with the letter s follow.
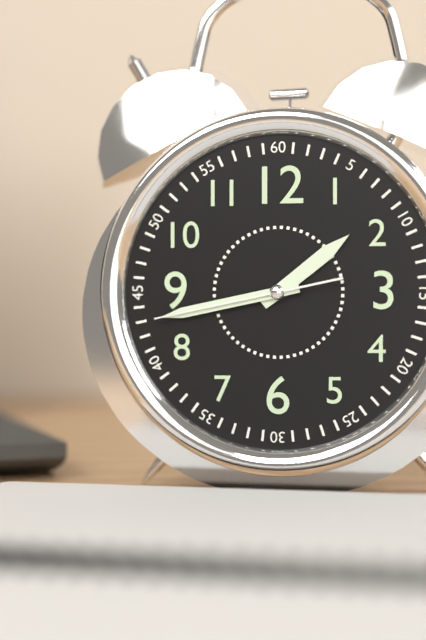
1h43m43s
